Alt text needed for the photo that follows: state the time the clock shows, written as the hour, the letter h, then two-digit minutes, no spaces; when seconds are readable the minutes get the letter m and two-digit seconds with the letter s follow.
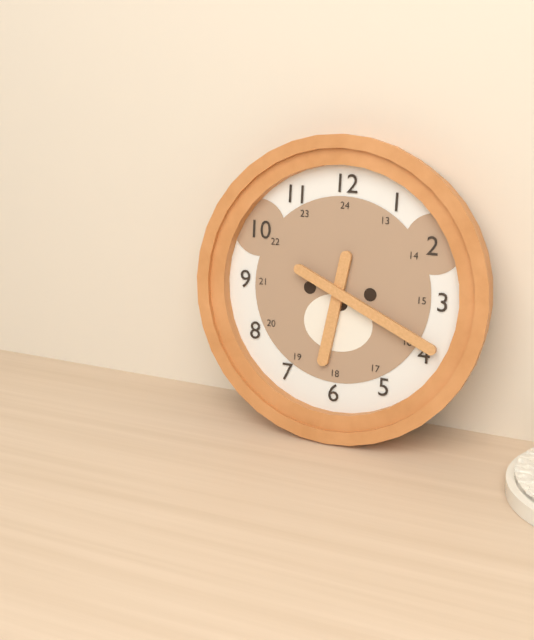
6h19
